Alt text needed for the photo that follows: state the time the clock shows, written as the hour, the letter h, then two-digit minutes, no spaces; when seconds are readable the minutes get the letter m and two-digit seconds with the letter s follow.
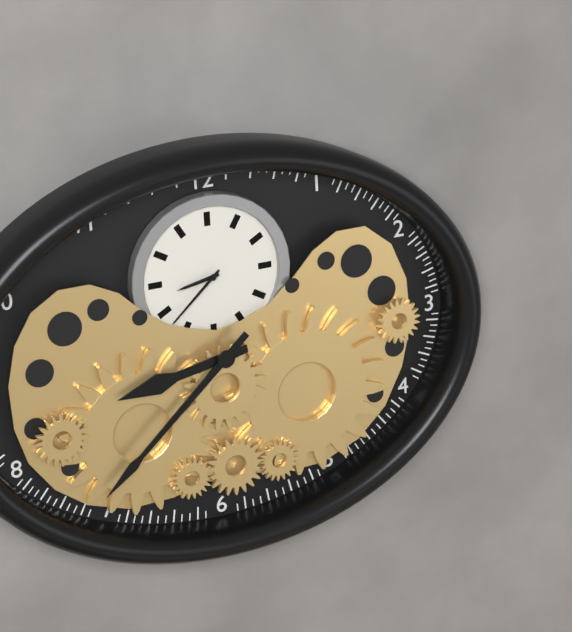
8h38
